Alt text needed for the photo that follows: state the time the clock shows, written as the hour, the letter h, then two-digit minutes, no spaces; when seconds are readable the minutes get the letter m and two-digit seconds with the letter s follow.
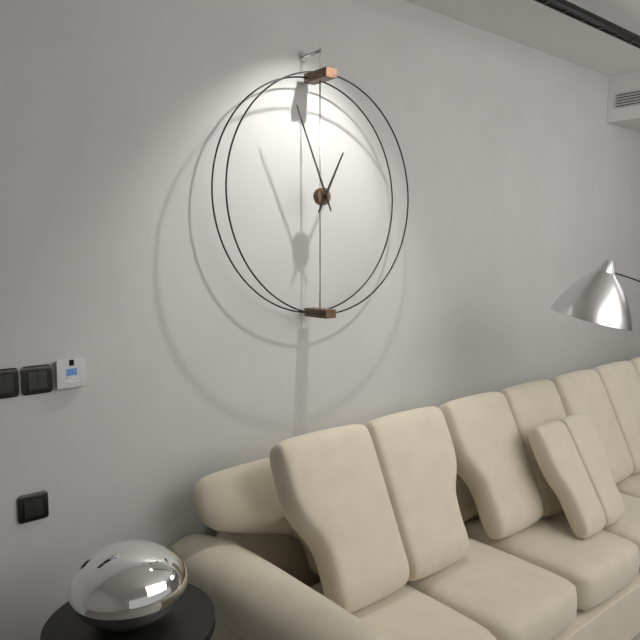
12h56
